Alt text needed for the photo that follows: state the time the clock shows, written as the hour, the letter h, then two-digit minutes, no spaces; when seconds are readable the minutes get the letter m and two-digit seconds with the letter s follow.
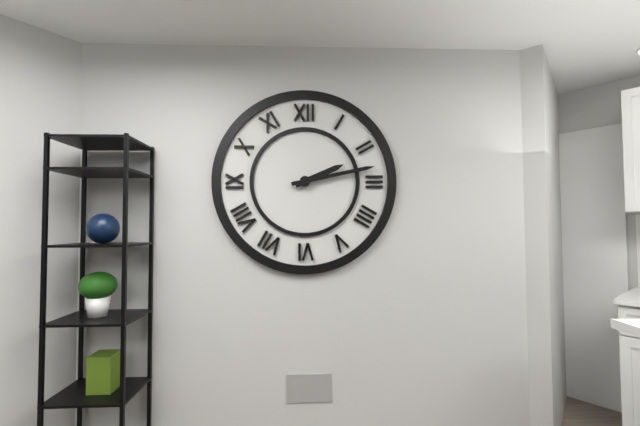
2h13
